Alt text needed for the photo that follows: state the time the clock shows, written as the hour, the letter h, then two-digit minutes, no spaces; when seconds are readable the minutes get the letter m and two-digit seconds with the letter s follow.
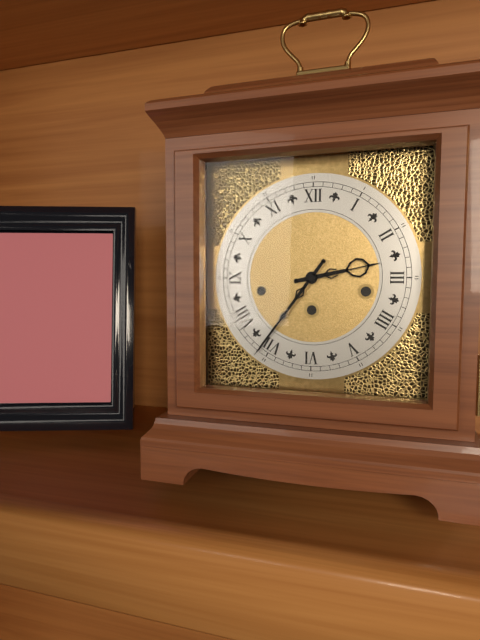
2h36
